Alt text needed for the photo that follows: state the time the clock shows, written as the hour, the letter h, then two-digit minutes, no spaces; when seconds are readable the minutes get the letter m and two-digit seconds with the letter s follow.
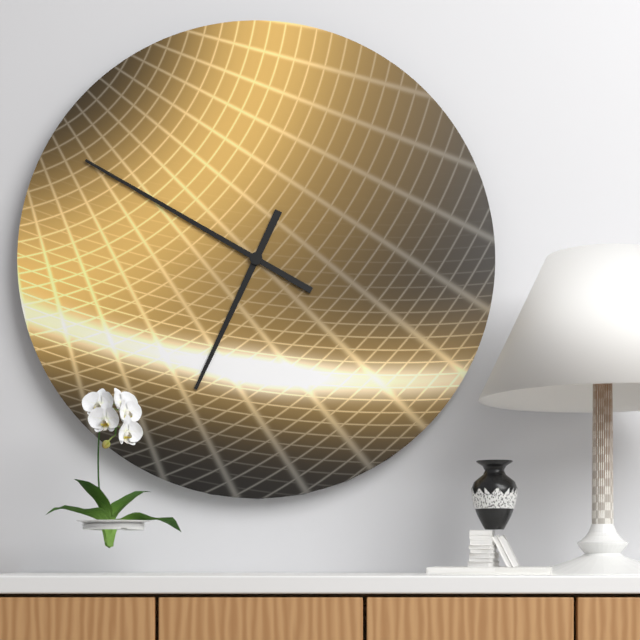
6h50
